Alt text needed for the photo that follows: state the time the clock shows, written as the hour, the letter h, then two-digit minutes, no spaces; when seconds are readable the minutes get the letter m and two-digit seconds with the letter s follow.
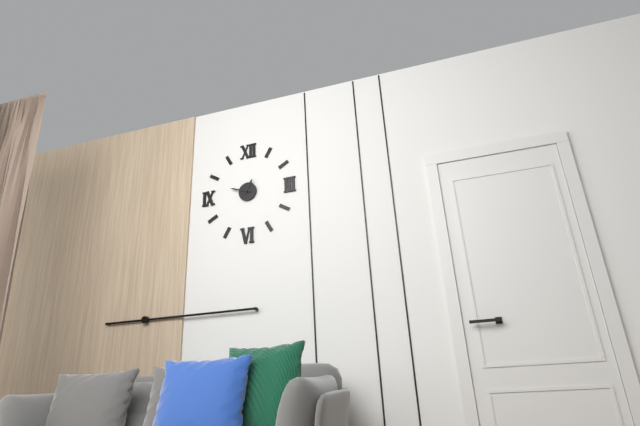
12h48
